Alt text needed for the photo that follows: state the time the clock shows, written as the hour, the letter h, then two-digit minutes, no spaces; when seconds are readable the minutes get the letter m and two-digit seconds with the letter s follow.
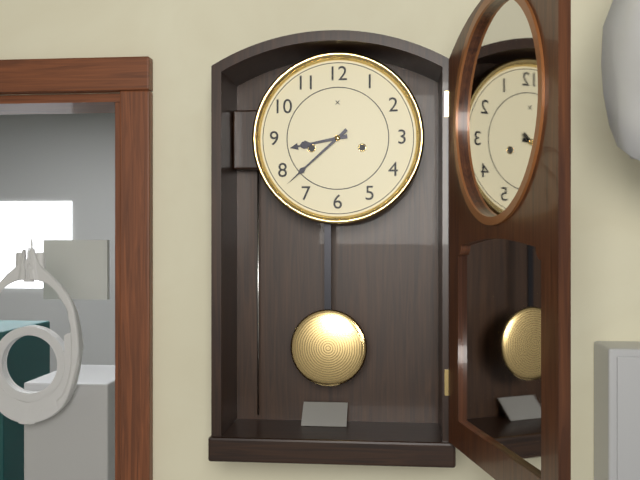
8h38
